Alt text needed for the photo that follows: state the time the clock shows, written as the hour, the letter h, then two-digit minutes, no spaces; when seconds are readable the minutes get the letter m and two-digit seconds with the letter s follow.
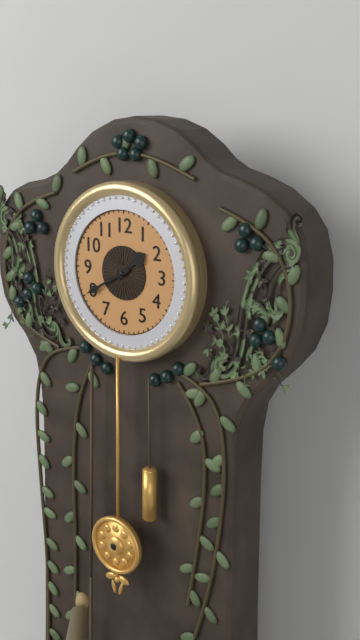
1h40
